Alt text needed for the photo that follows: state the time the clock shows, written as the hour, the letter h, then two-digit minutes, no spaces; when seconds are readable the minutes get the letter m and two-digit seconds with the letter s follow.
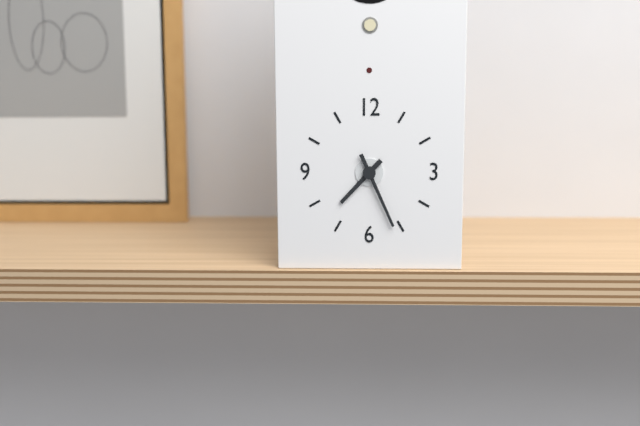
7h26
